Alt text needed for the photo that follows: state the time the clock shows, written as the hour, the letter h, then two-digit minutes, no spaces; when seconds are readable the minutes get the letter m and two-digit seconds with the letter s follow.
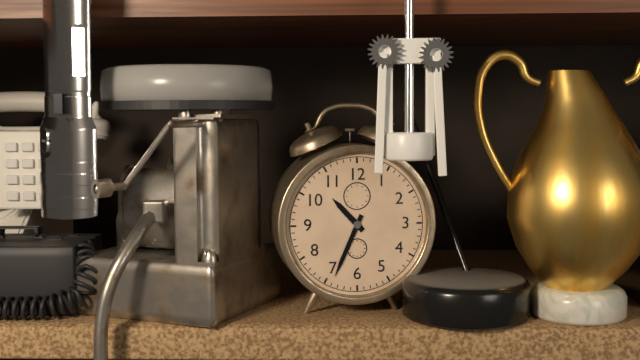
10h34
